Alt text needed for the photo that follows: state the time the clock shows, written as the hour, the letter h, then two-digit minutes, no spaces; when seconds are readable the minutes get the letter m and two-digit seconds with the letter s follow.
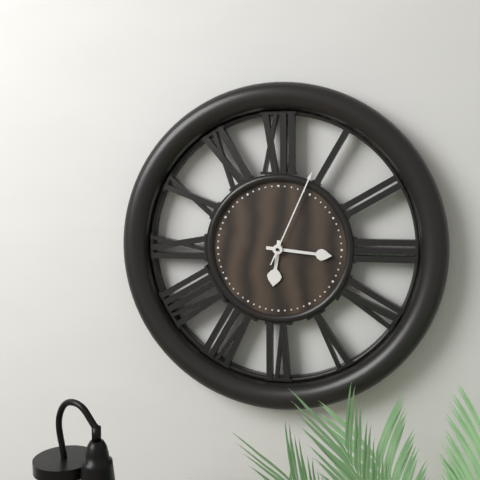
6h16m04s
